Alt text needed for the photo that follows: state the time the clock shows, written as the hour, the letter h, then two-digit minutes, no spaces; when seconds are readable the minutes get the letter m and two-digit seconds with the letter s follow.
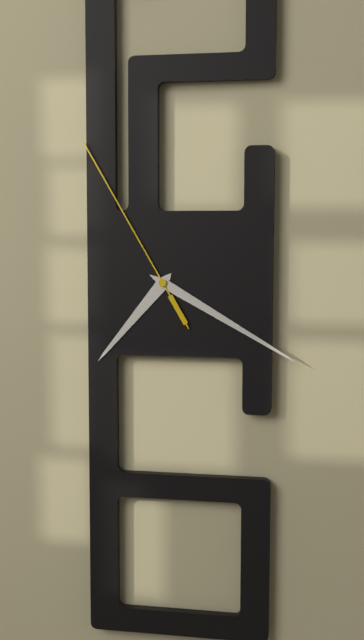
7h20m55s
